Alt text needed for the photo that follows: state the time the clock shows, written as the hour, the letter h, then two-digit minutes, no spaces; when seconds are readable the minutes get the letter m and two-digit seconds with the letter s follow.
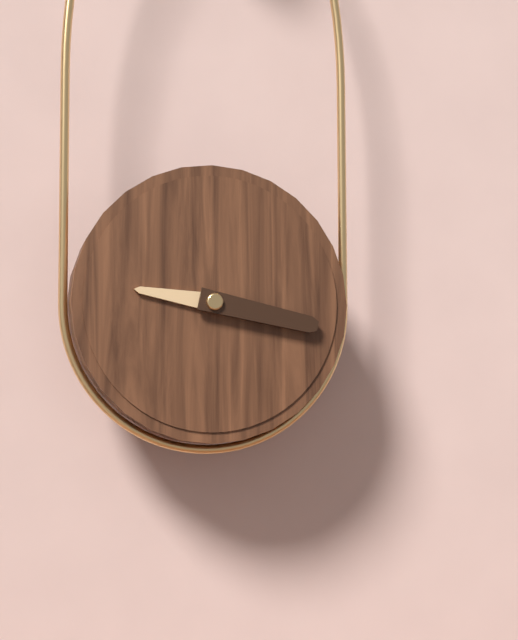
9h17
